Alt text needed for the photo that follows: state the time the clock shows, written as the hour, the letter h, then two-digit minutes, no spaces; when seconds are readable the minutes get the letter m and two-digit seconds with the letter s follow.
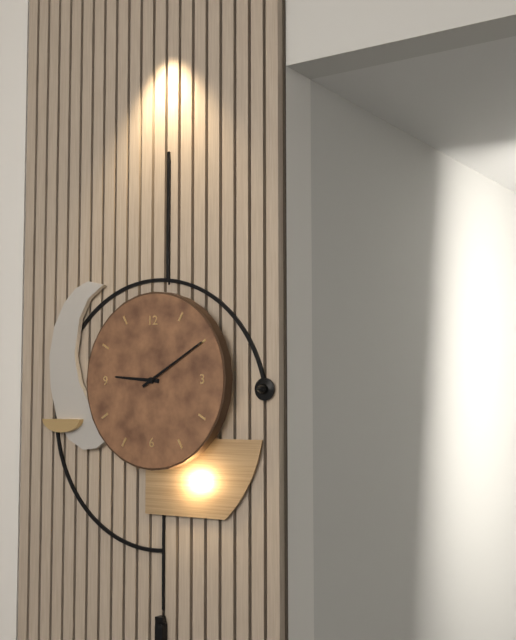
9h10
